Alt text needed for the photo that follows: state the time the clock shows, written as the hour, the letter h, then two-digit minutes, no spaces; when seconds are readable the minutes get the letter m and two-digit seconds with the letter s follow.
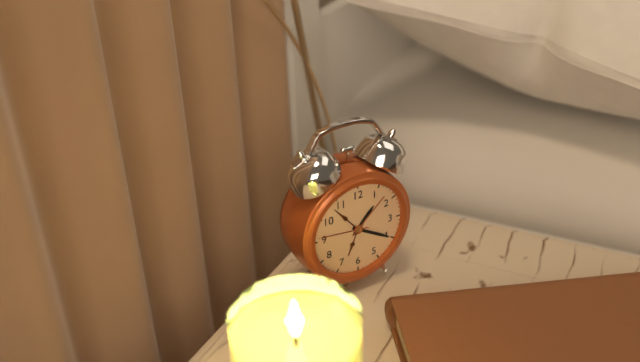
1h20m46s
